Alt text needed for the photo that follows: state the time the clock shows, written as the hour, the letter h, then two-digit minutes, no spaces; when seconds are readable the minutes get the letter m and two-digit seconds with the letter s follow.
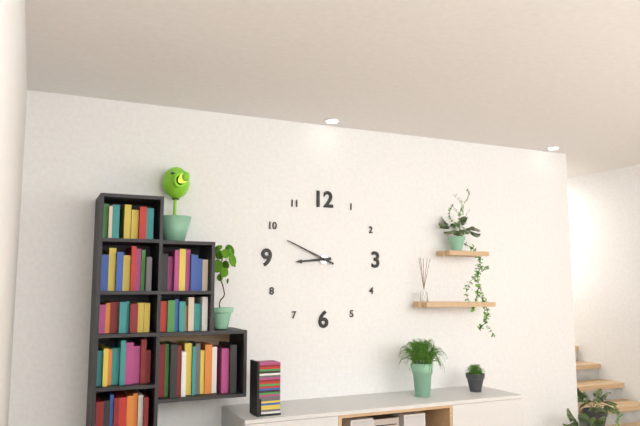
8h49
